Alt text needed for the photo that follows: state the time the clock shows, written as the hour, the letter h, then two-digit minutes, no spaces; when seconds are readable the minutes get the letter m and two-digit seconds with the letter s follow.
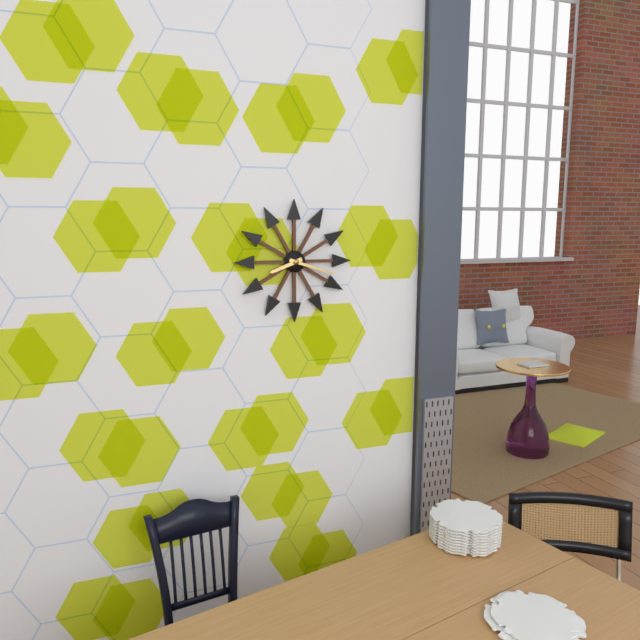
8h18
